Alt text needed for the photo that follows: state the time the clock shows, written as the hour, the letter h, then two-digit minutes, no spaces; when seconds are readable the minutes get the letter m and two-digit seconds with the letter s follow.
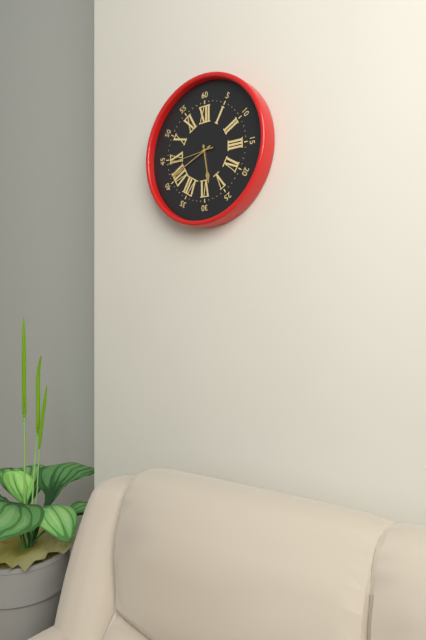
5h41m44s
